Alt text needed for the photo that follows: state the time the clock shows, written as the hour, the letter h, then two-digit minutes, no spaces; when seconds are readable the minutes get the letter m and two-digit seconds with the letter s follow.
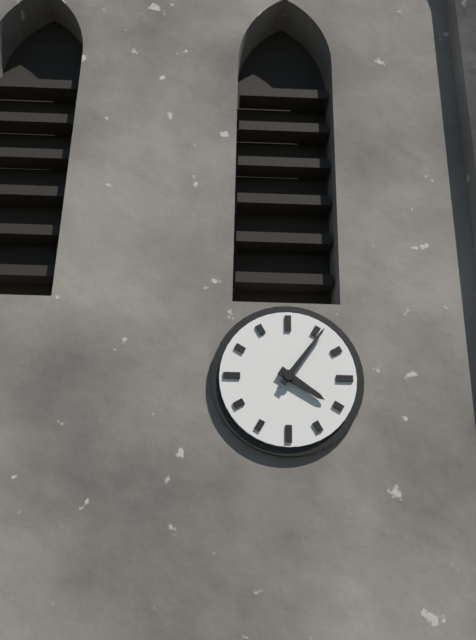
4h06
